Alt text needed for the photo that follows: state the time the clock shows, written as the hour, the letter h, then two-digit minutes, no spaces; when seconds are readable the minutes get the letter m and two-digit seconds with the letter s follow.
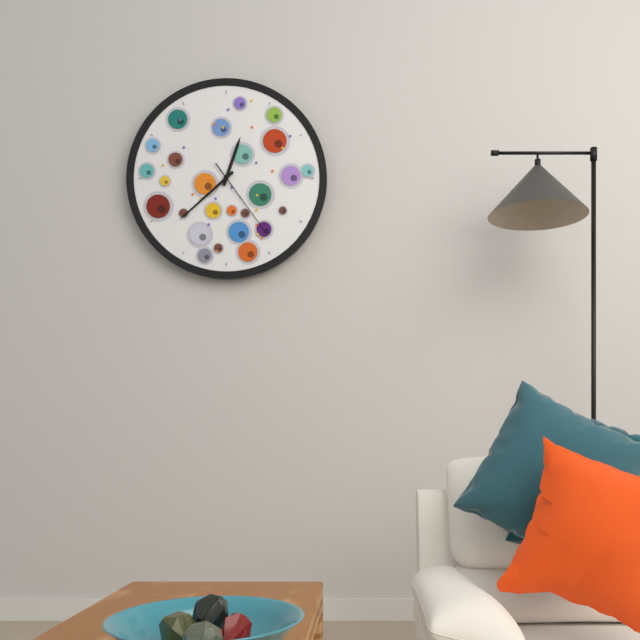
12h38m24s
